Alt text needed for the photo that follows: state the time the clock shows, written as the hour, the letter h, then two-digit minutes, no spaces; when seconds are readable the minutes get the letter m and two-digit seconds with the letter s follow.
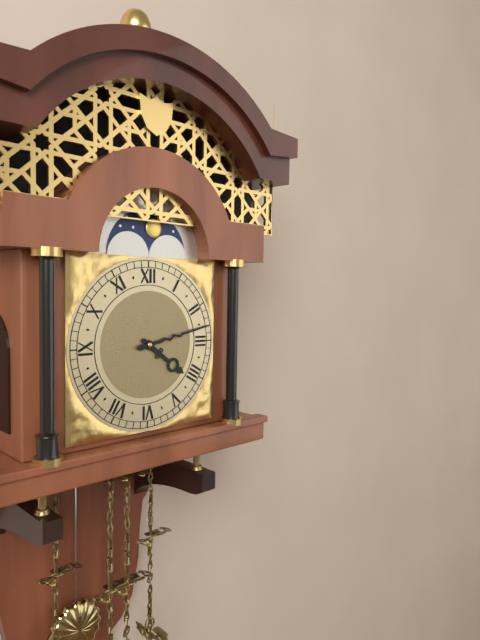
4h13
